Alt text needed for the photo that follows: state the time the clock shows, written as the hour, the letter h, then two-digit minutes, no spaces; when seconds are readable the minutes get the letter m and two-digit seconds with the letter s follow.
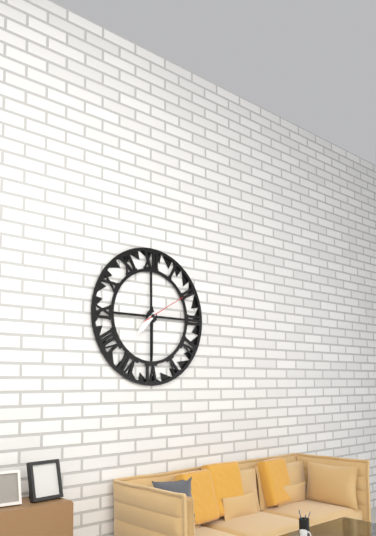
7h30
